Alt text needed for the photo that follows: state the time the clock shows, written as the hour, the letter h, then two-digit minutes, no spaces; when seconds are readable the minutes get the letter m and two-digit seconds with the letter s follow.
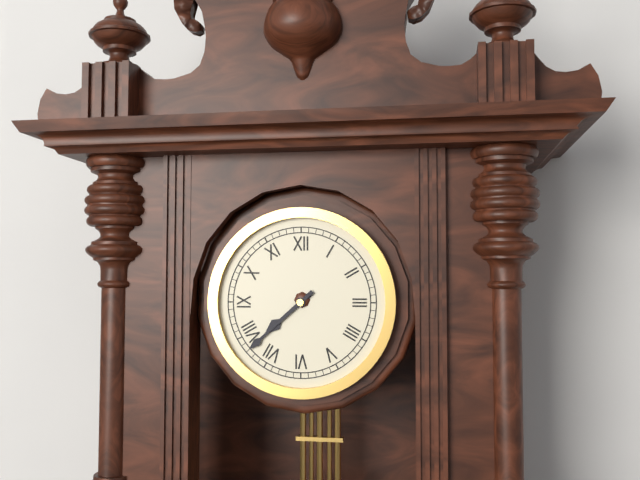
7h38
